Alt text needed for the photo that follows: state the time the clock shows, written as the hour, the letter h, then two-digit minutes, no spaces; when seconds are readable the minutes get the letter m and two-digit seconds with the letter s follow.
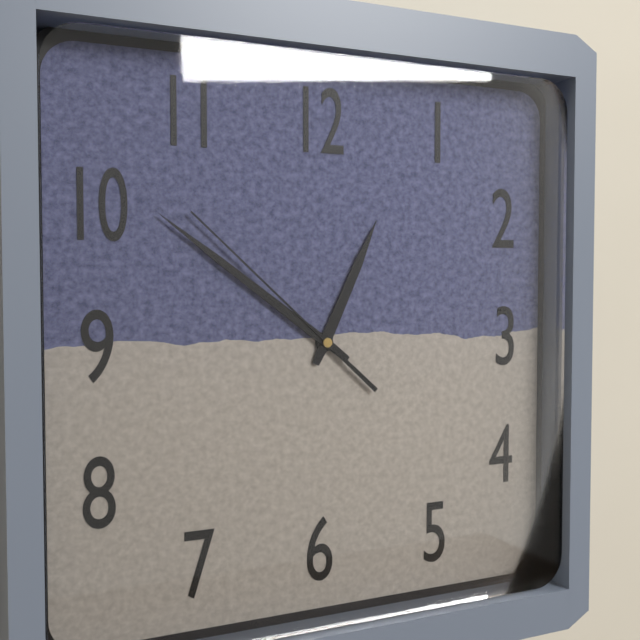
12h51m52s
